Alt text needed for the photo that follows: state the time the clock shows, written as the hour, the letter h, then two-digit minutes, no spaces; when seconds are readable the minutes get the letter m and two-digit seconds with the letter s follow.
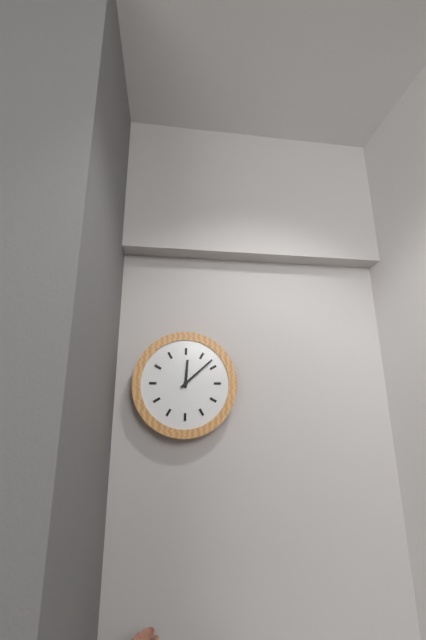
12h08
